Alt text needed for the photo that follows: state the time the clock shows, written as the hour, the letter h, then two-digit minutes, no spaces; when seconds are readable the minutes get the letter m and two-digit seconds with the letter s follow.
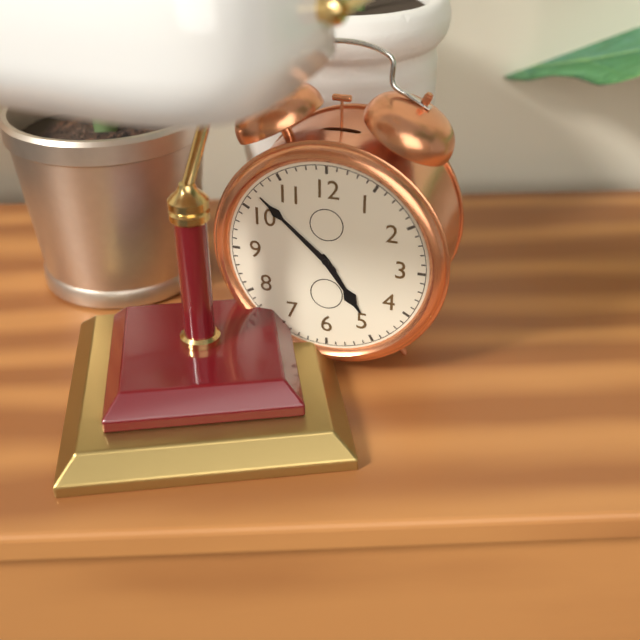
4h52
